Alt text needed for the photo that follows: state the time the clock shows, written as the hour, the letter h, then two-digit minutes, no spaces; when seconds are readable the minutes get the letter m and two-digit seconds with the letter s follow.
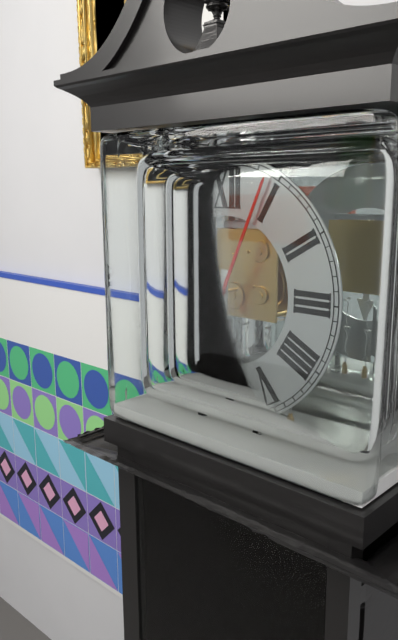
6h04
